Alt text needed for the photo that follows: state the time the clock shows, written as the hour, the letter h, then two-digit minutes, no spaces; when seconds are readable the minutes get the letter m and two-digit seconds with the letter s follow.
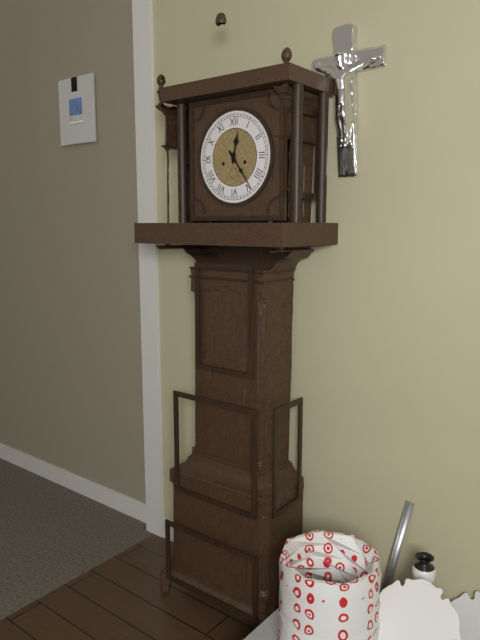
12h24
